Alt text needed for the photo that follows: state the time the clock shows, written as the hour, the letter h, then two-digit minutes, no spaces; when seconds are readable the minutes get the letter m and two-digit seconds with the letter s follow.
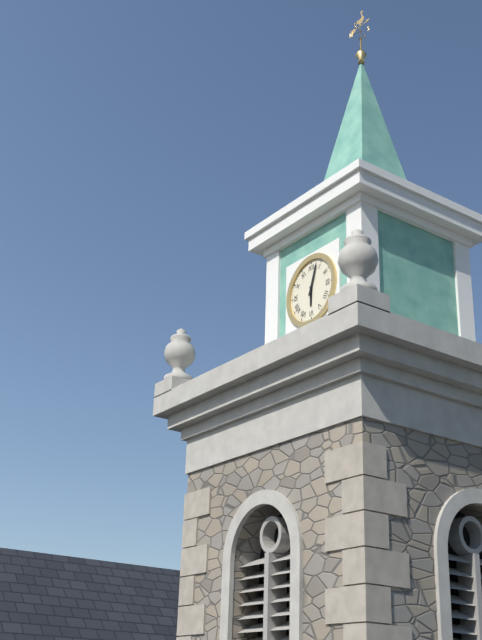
6h03
